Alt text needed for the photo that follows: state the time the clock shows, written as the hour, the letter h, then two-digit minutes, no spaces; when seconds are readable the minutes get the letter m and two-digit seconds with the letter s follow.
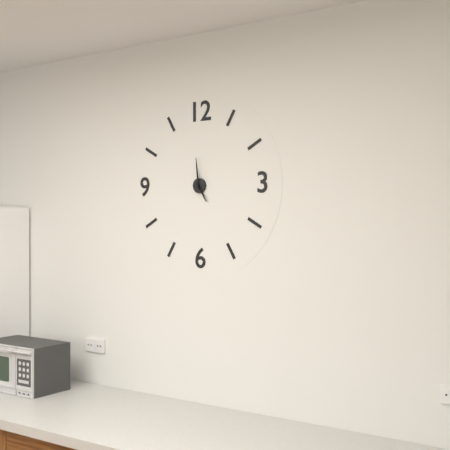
4h59
